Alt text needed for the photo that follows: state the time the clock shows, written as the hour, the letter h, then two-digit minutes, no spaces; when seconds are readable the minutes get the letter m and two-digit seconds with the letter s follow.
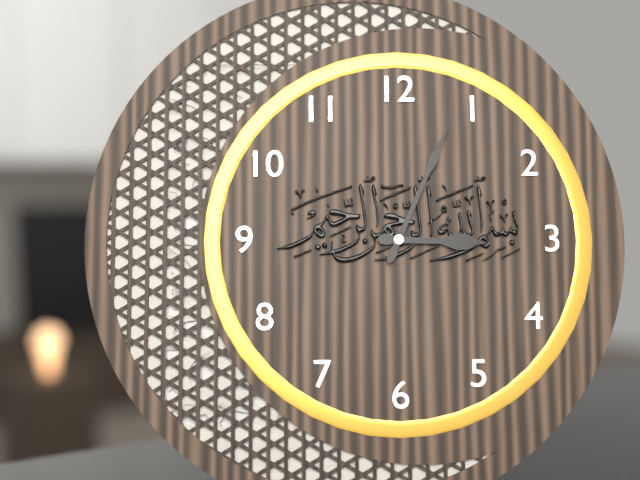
3h04
